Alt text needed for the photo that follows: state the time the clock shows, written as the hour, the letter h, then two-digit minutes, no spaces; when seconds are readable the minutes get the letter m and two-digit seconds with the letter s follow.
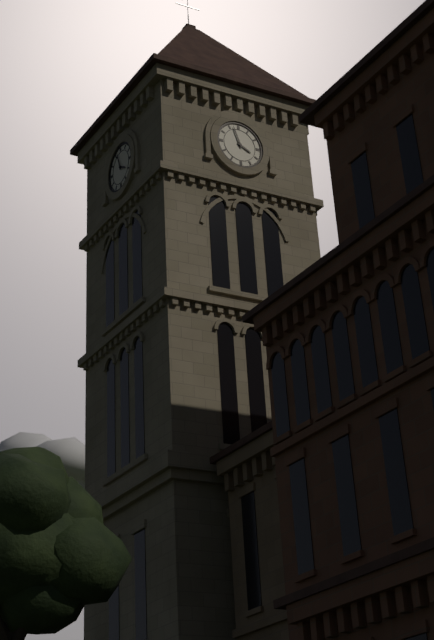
3h57
